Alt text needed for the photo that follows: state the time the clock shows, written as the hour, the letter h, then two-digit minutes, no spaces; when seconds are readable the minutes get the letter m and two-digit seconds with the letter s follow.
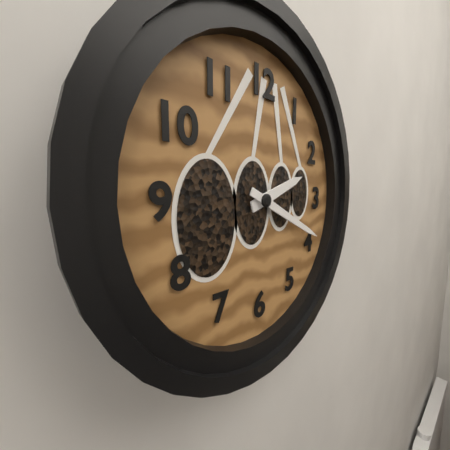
2h19
